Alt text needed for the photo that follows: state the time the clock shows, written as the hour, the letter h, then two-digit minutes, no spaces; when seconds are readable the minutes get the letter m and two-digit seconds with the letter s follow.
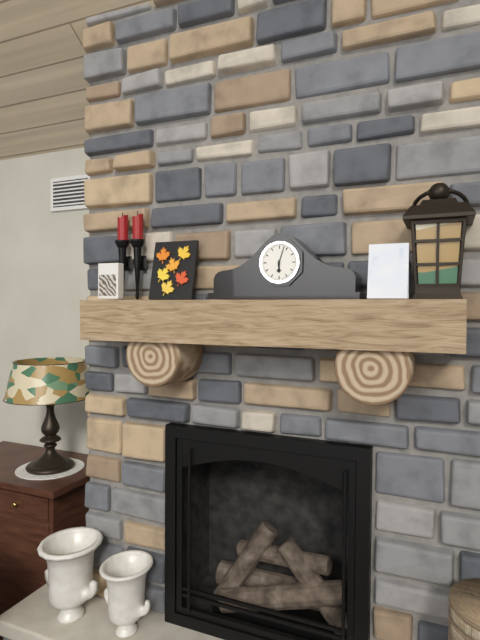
6h03
